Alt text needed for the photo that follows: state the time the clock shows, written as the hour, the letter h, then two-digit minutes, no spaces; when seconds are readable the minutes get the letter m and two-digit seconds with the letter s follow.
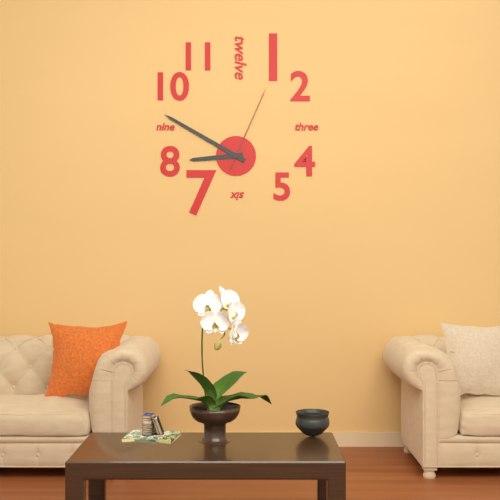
8h50m04s
